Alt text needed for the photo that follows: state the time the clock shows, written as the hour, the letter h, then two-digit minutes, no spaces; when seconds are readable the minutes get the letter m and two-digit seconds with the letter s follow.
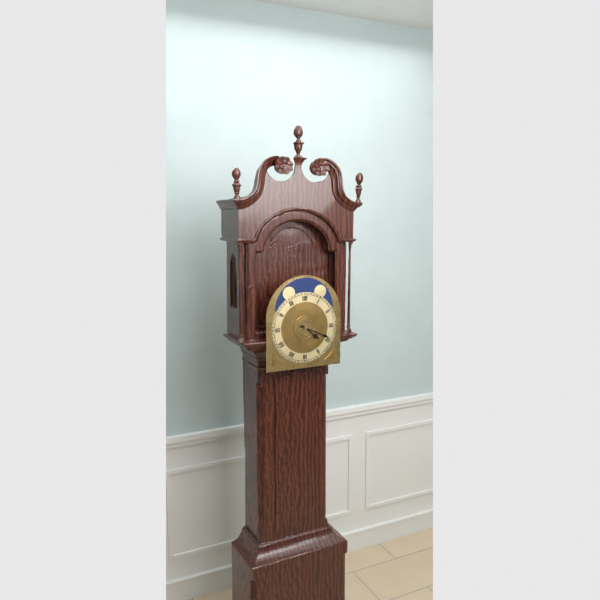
4h19
